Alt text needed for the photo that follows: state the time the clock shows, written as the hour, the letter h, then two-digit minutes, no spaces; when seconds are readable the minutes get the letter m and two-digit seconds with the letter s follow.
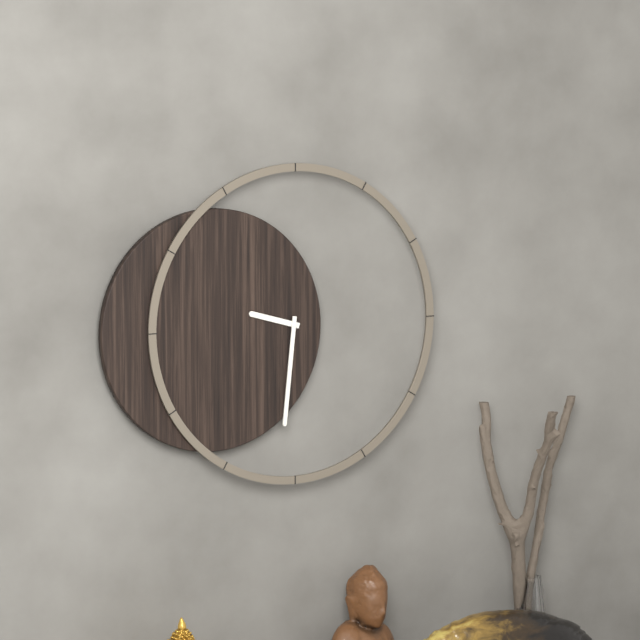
9h31
